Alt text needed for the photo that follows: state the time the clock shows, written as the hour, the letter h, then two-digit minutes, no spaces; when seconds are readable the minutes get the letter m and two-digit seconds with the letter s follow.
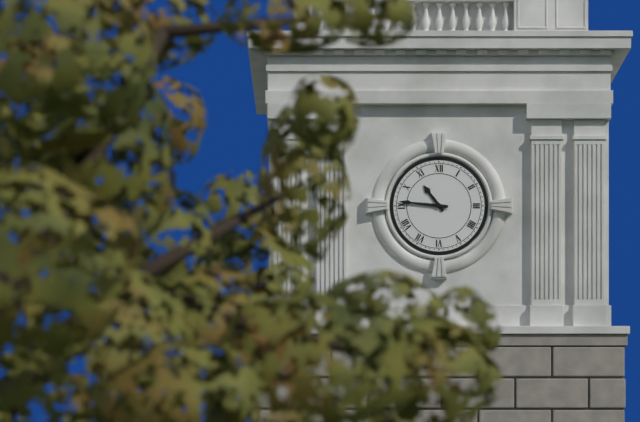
10h46
